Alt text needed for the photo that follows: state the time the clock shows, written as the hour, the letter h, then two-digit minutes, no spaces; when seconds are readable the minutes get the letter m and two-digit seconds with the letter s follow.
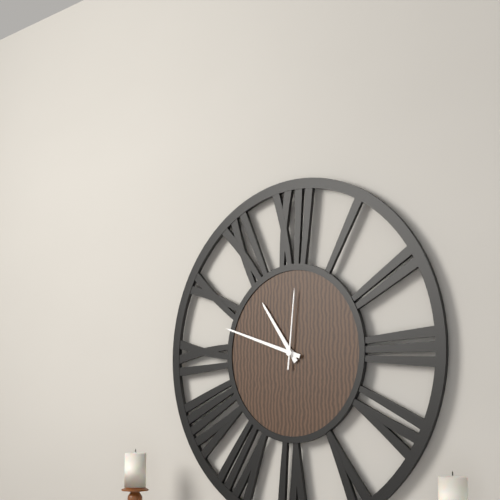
10h48m01s
